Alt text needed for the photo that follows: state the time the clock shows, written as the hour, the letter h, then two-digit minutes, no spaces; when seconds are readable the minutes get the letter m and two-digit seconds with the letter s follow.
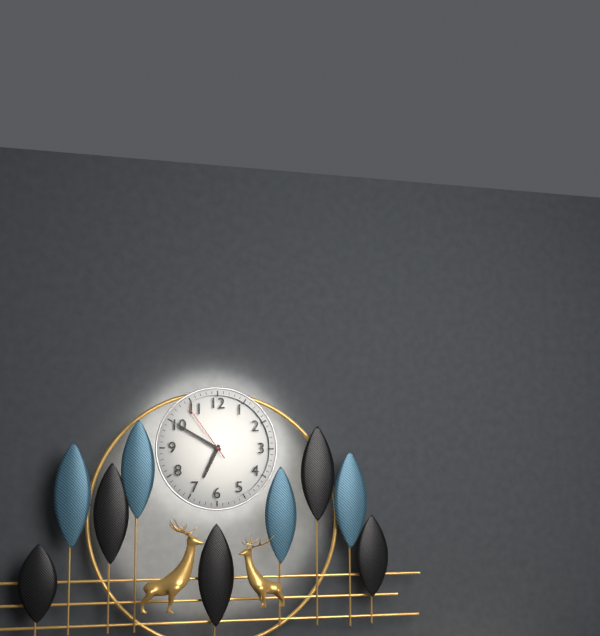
6h50m54s
